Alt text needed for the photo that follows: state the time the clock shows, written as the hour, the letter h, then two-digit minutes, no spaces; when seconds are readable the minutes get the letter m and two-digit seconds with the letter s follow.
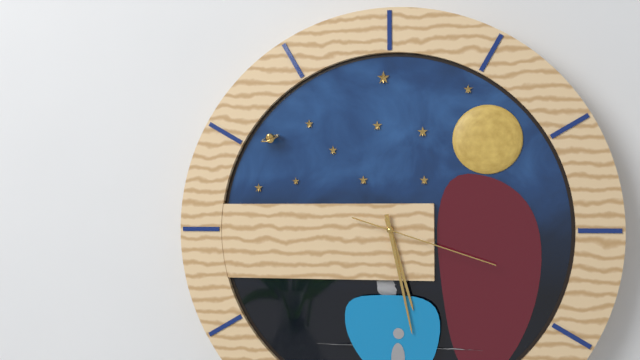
5h28m18s
